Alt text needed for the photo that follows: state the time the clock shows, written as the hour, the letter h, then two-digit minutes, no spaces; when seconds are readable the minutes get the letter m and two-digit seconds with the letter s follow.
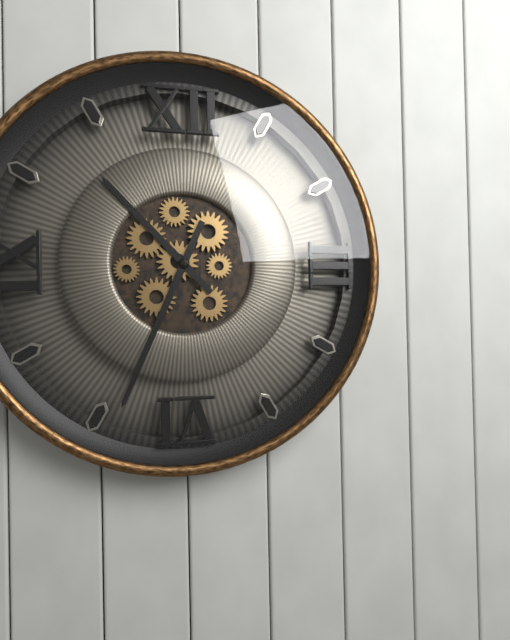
10h34
